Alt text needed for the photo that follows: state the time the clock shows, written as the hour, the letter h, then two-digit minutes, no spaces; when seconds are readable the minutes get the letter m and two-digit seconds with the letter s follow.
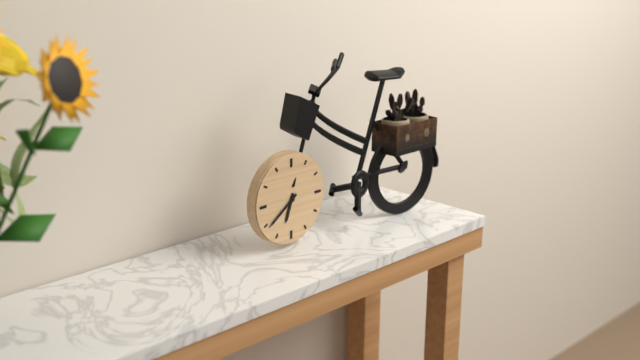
6h39
